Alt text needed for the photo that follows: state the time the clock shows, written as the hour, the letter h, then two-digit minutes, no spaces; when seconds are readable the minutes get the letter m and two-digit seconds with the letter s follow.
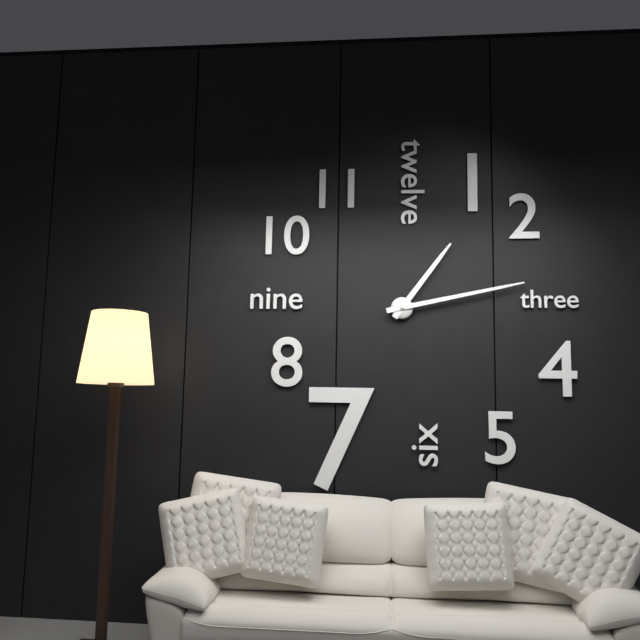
1h13
